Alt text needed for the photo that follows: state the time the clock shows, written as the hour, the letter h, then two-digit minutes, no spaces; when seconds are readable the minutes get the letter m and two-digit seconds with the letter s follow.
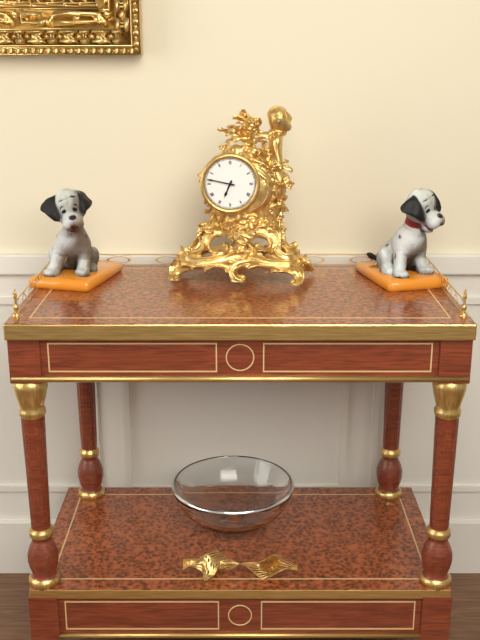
6h47
